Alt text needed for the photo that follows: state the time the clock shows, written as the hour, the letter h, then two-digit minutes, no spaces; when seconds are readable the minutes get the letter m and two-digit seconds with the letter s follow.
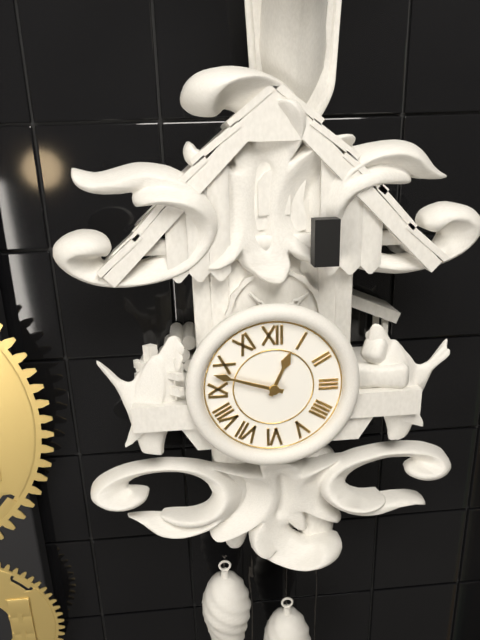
12h48
